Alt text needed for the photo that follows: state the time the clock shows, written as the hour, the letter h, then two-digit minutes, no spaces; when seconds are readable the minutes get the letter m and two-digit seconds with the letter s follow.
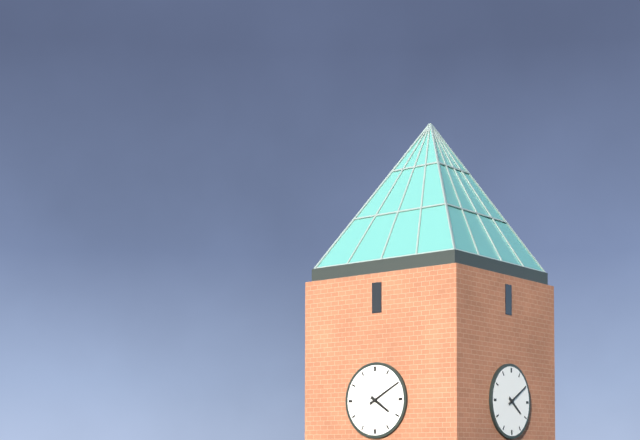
4h10
